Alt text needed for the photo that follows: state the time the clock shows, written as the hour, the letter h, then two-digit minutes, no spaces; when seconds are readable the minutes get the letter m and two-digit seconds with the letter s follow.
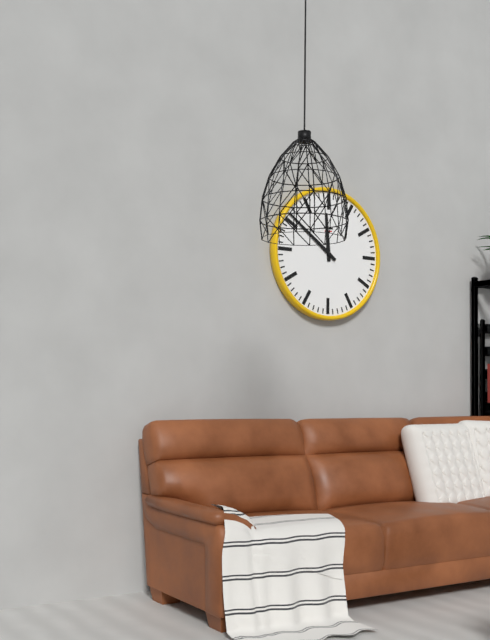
11h51
